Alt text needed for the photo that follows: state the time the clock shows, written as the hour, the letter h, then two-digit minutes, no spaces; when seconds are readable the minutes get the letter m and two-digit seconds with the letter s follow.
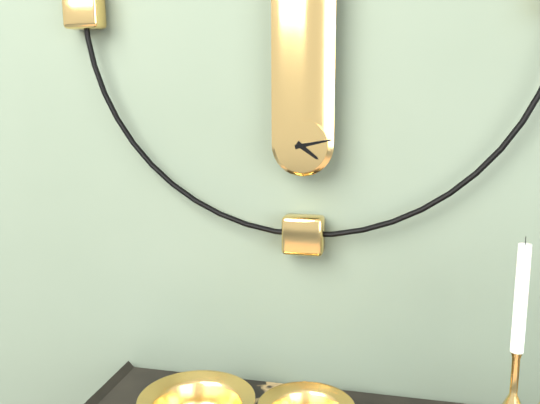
4h13
